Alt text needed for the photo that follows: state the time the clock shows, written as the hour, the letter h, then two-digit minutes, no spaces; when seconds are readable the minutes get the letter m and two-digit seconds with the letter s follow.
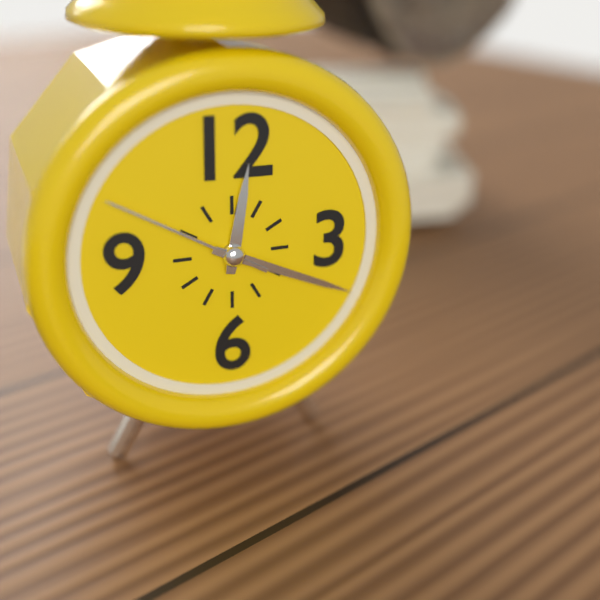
12h19m50s
